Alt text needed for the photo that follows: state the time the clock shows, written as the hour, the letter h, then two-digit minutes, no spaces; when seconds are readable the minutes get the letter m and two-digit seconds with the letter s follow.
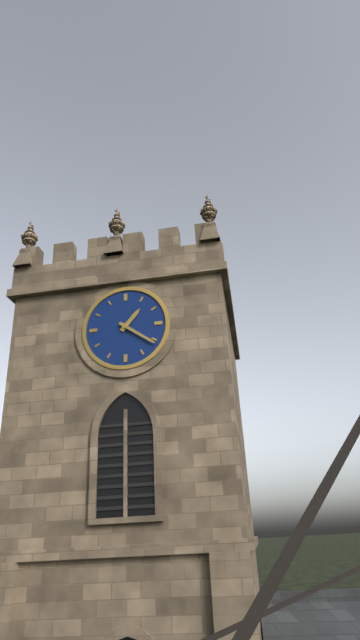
1h21
